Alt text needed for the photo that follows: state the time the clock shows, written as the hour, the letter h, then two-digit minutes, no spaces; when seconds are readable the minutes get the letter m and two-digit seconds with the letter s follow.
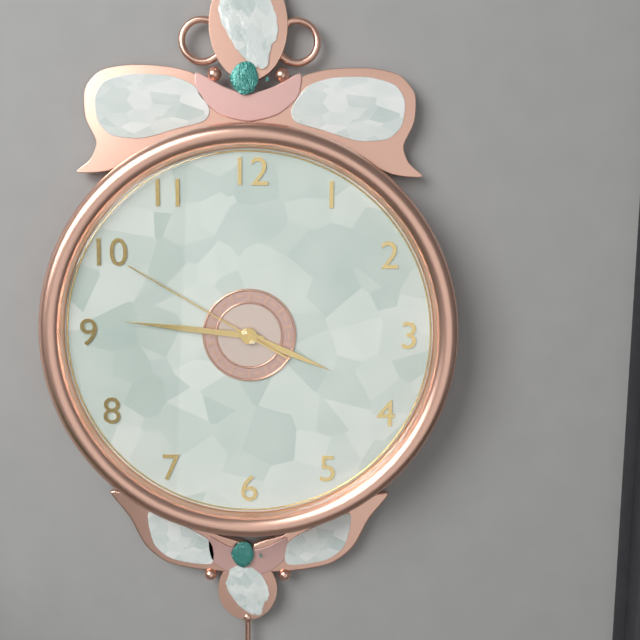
3h46m50s
